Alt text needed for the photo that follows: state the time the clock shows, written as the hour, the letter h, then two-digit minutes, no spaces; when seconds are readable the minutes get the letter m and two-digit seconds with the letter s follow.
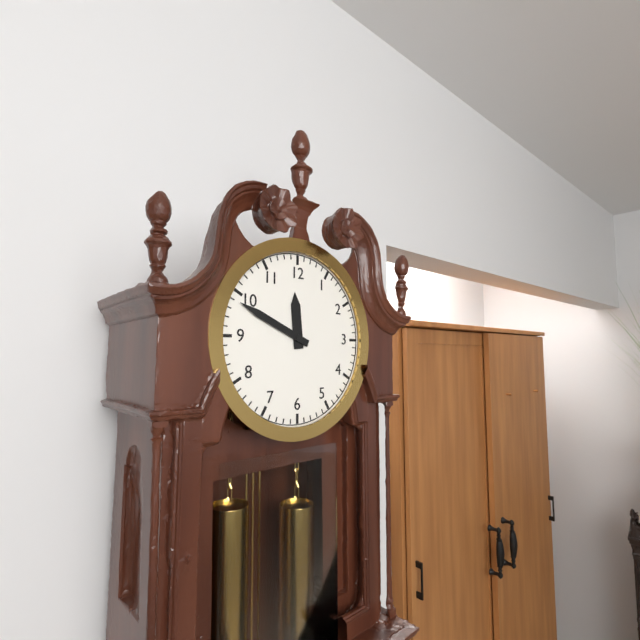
11h49
